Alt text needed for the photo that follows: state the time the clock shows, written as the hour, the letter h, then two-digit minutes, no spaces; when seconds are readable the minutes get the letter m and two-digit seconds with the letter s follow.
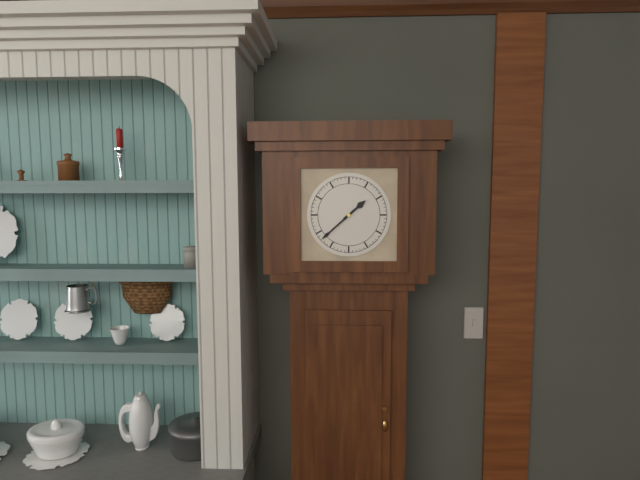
1h38
